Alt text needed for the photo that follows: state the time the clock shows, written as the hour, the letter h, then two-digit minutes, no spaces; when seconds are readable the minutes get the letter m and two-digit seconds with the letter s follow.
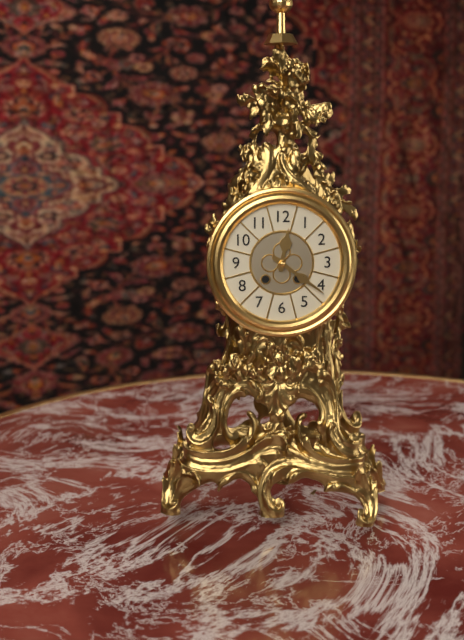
12h21
